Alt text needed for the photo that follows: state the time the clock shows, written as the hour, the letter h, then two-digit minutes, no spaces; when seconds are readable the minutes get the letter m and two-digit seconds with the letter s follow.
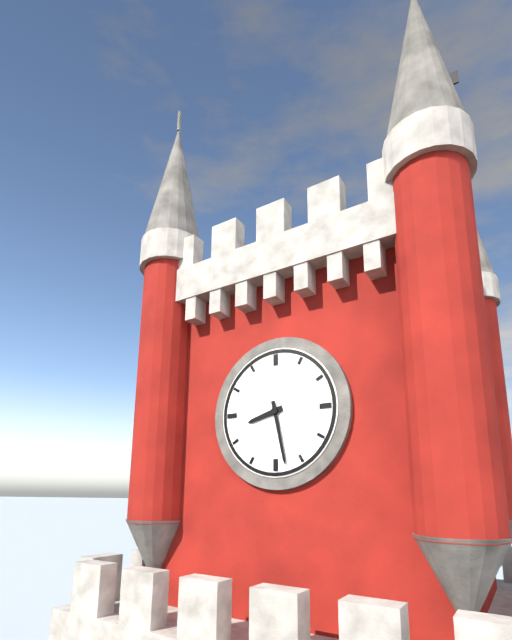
8h28
